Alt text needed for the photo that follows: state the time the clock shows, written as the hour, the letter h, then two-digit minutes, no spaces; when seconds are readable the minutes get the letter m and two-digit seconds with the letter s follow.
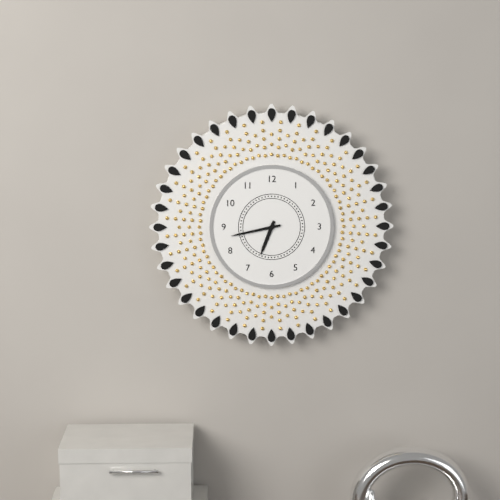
6h43
